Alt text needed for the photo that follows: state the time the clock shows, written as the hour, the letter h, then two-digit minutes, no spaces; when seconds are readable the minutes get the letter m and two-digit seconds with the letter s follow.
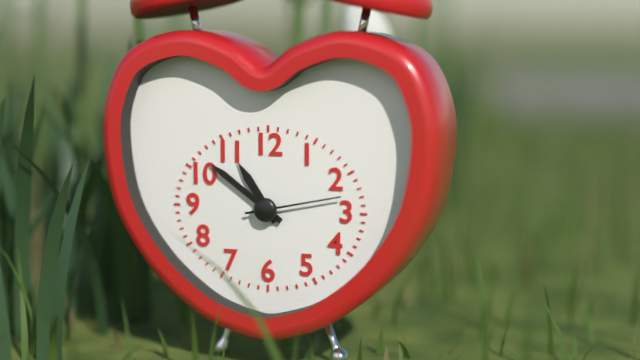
10h51m13s
